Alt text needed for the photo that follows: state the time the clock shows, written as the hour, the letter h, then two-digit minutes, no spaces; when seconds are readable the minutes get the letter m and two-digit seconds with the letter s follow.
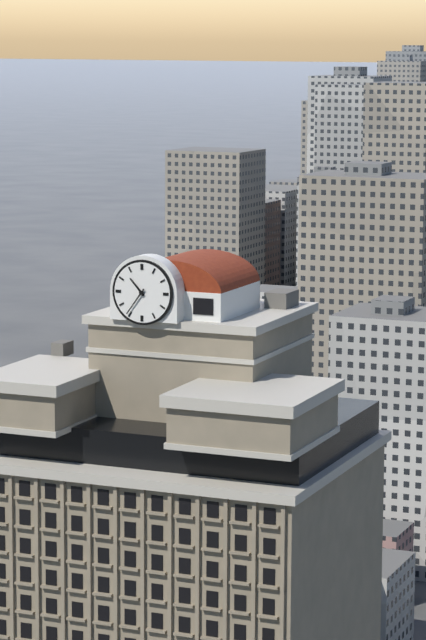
10h36
